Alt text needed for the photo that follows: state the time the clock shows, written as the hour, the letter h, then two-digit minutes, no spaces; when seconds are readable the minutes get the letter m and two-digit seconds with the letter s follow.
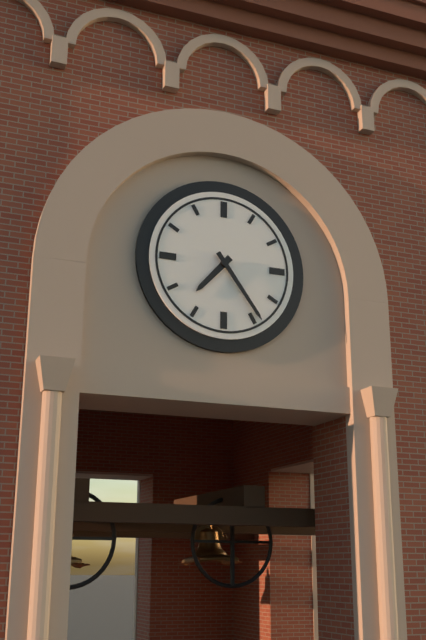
7h24
